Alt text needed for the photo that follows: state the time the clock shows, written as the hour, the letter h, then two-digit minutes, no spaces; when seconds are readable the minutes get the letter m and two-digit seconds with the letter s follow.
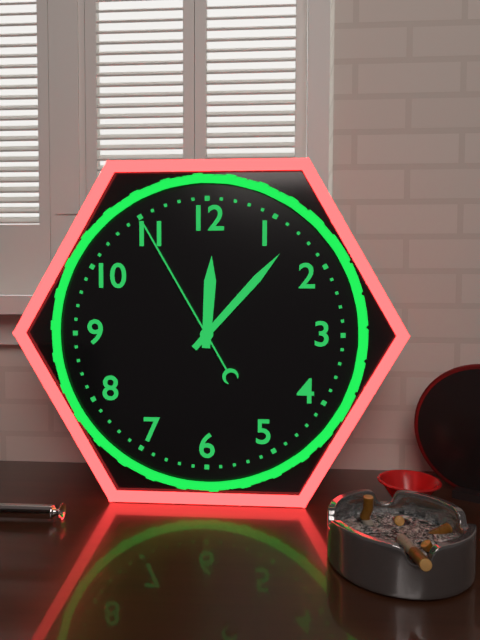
12h07m55s
